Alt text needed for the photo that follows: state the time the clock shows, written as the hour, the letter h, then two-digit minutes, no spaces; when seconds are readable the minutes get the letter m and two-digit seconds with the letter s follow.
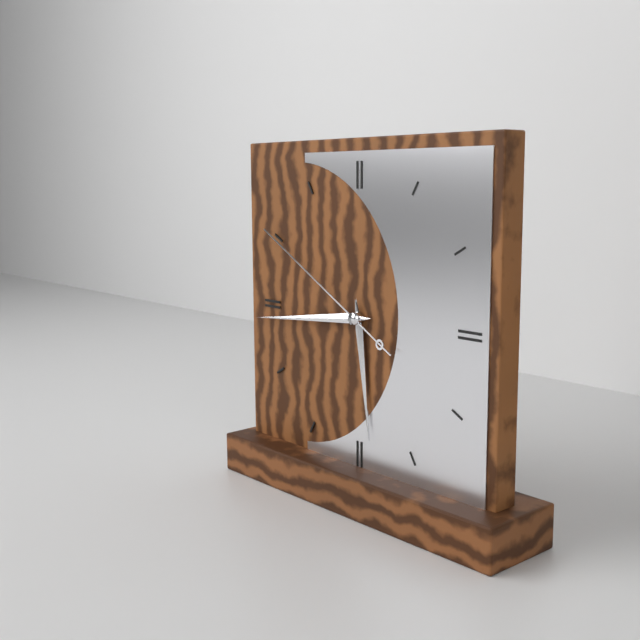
5h44m50s
